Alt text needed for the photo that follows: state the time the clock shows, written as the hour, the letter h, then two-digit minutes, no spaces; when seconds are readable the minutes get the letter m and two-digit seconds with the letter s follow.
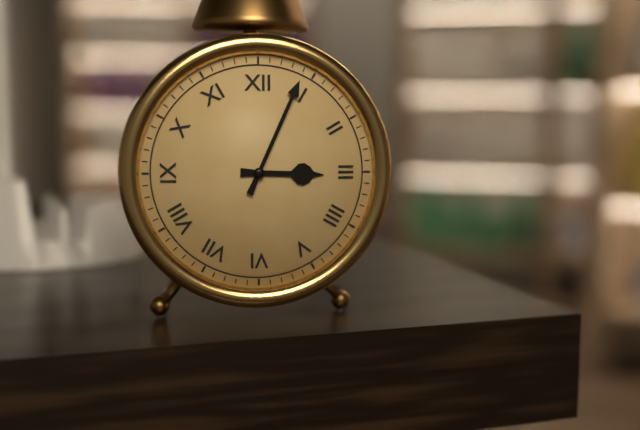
3h04
